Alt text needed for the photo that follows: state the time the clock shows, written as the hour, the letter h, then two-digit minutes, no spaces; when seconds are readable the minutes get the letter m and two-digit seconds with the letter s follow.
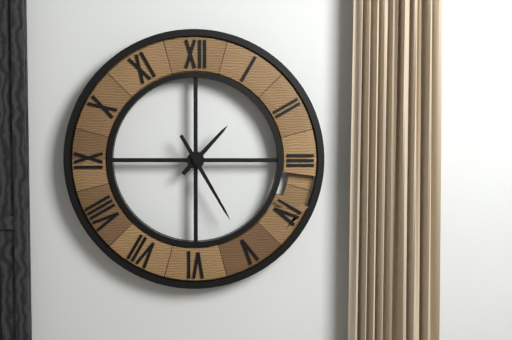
1h25
